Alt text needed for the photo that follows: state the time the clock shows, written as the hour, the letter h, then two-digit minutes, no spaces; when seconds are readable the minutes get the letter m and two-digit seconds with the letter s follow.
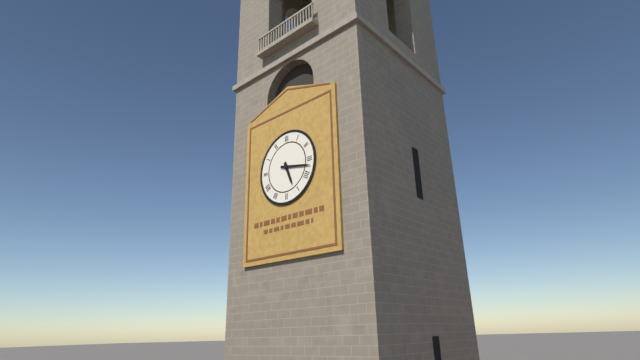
5h17
